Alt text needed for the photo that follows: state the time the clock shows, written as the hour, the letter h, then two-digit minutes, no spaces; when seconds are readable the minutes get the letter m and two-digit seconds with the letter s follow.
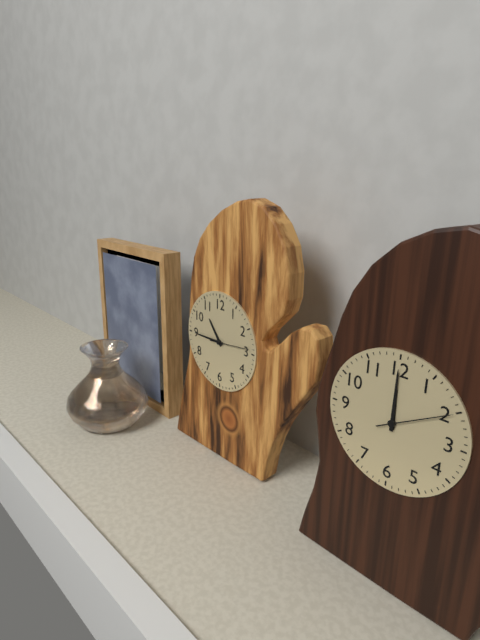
10h45
